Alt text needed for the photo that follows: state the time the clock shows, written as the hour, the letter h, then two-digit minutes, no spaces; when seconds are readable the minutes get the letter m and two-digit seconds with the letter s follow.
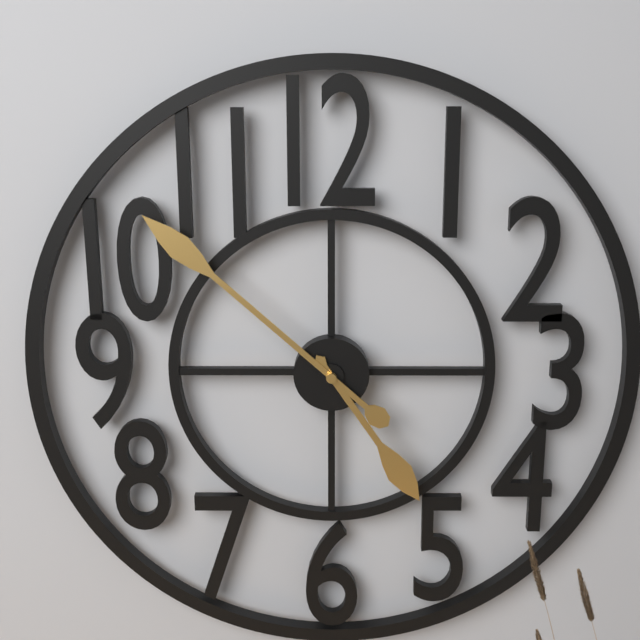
4h52
